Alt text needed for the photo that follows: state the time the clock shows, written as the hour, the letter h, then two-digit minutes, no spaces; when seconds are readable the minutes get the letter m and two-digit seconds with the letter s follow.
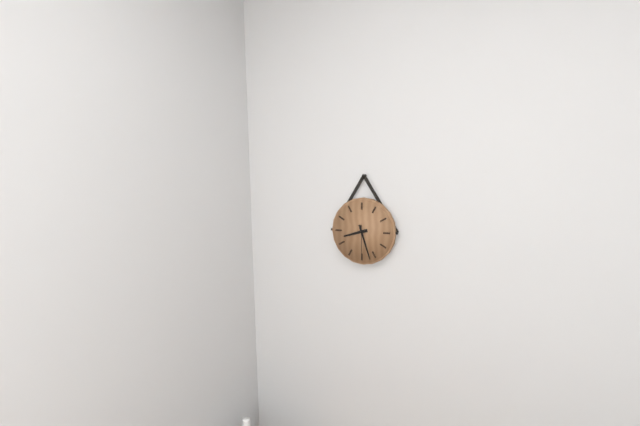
8h27
